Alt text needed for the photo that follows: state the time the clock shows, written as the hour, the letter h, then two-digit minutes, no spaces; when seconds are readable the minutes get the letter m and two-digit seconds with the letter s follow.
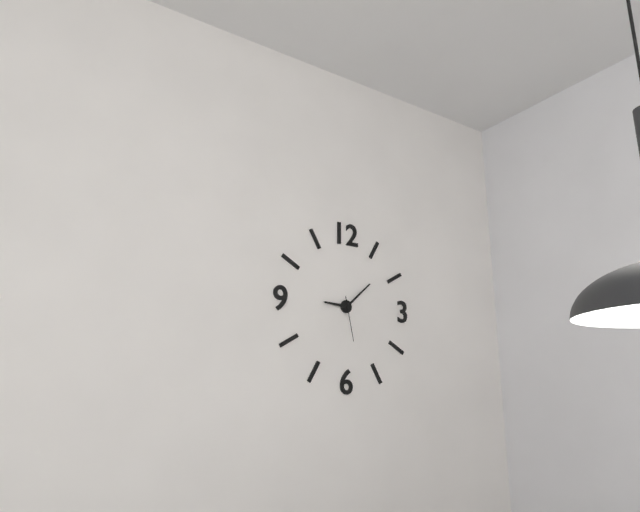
9h08
